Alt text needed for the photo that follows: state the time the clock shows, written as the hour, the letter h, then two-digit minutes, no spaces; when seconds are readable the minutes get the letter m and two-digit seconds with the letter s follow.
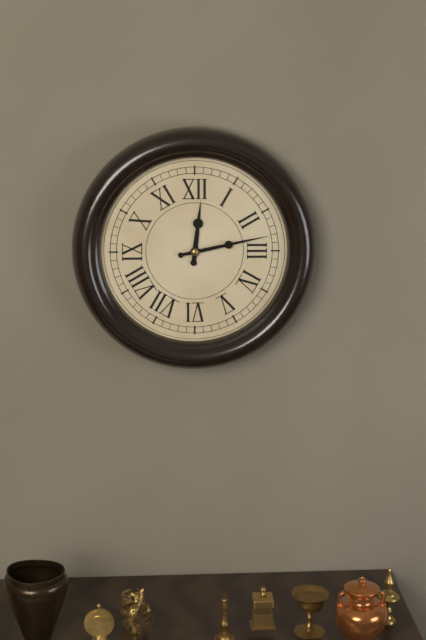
12h13
